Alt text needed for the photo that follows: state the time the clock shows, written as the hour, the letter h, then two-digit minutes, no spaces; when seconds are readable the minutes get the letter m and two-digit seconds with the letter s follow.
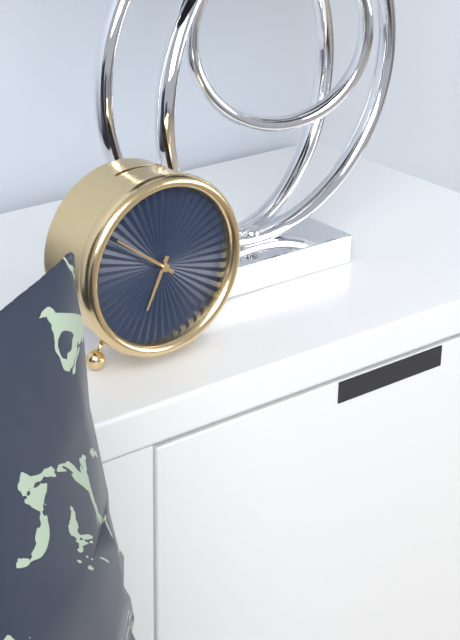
6h51
